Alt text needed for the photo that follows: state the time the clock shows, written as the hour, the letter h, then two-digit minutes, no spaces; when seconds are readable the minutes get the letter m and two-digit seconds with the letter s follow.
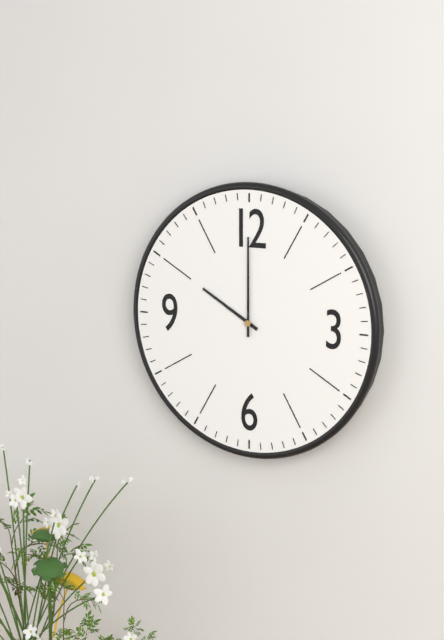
10h00
